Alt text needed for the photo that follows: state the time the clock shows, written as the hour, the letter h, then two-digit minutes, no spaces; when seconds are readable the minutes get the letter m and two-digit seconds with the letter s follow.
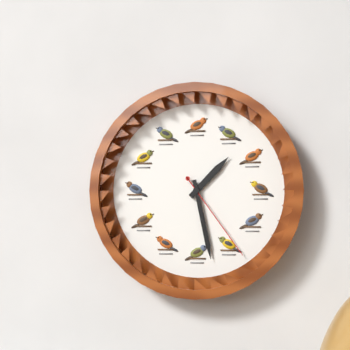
1h28m24s
